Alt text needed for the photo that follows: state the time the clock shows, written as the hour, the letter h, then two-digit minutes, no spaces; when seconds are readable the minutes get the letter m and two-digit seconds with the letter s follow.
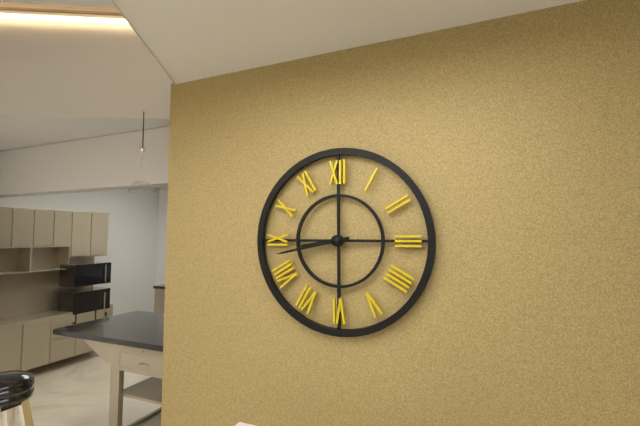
8h43
